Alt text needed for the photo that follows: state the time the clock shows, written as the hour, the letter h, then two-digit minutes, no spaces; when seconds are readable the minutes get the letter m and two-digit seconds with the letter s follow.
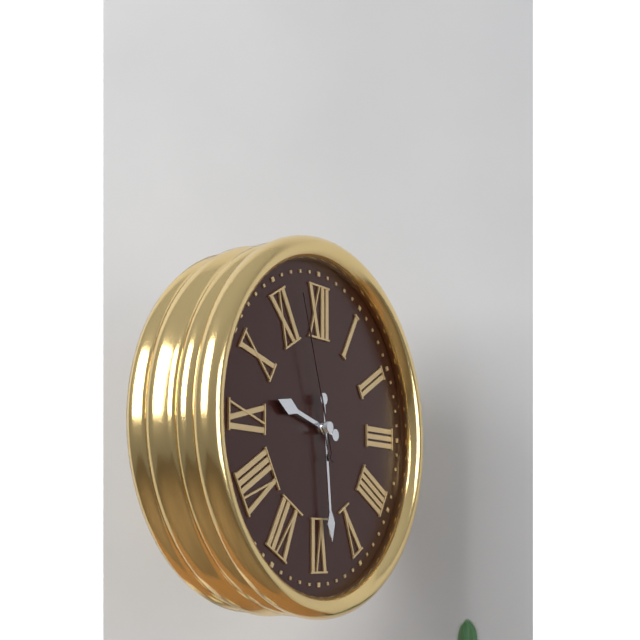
9h29m57s
